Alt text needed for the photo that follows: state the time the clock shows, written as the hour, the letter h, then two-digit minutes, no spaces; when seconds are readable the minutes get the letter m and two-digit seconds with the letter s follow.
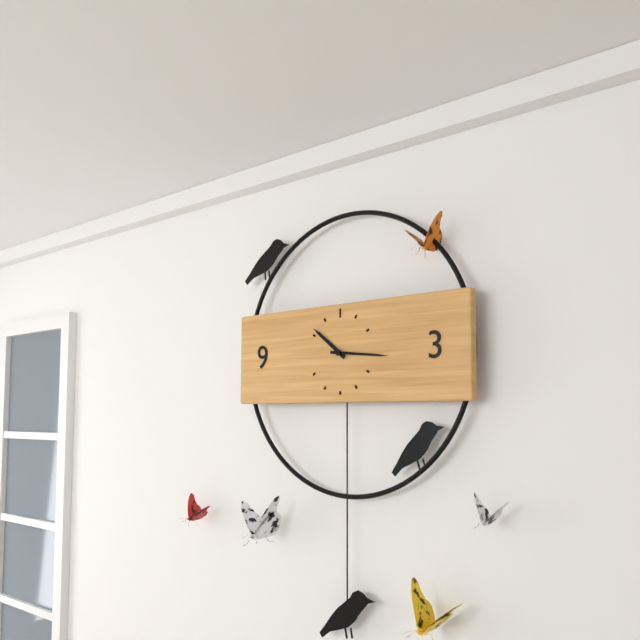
10h16
